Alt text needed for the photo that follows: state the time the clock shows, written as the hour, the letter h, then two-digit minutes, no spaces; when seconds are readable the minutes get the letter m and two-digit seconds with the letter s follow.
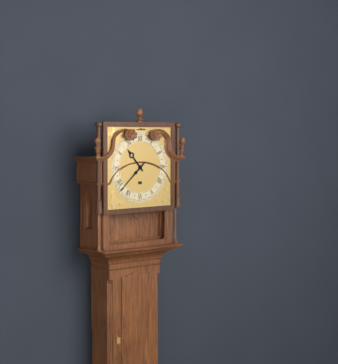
10h38
